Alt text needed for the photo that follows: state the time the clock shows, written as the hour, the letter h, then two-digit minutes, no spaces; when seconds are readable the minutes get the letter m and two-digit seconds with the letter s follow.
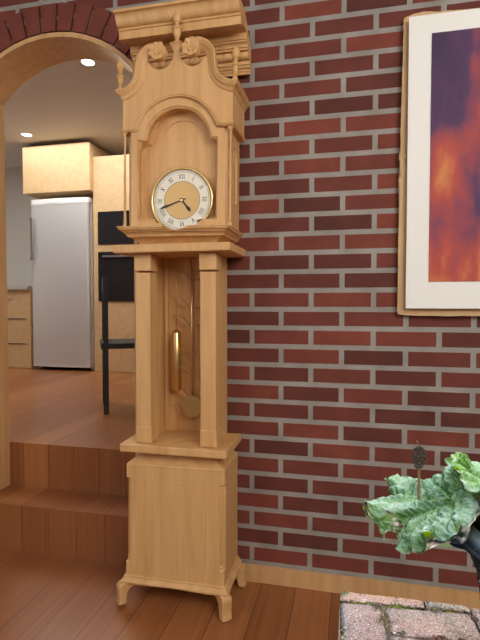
4h42
